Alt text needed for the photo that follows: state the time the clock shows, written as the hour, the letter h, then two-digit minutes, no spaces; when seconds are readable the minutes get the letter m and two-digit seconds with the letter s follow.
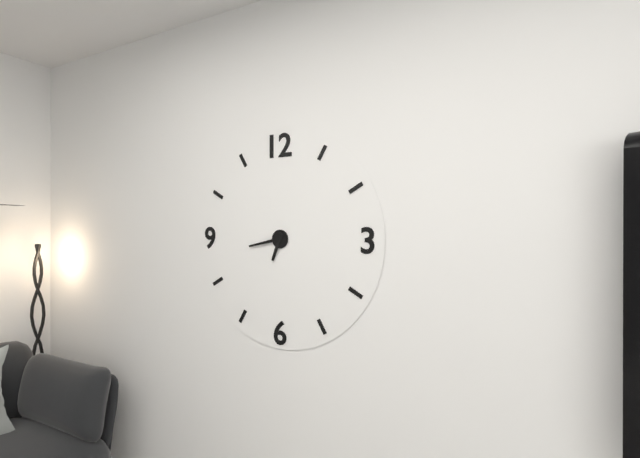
6h43
